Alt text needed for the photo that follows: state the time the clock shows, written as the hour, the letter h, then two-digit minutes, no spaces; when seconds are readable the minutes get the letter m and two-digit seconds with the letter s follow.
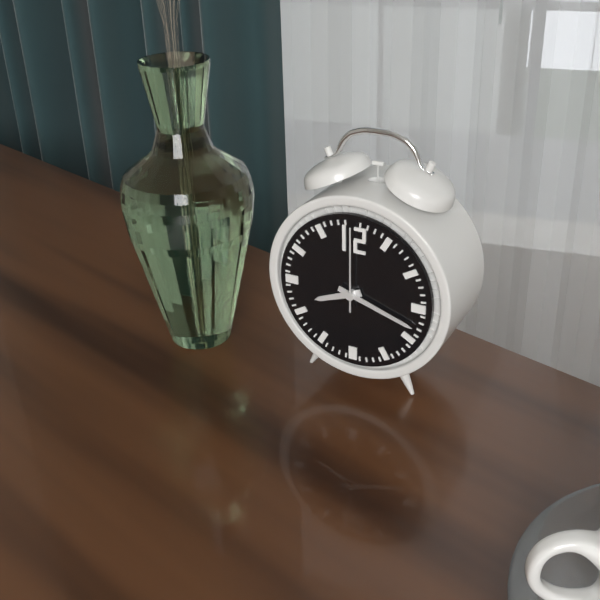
8h18m00s
